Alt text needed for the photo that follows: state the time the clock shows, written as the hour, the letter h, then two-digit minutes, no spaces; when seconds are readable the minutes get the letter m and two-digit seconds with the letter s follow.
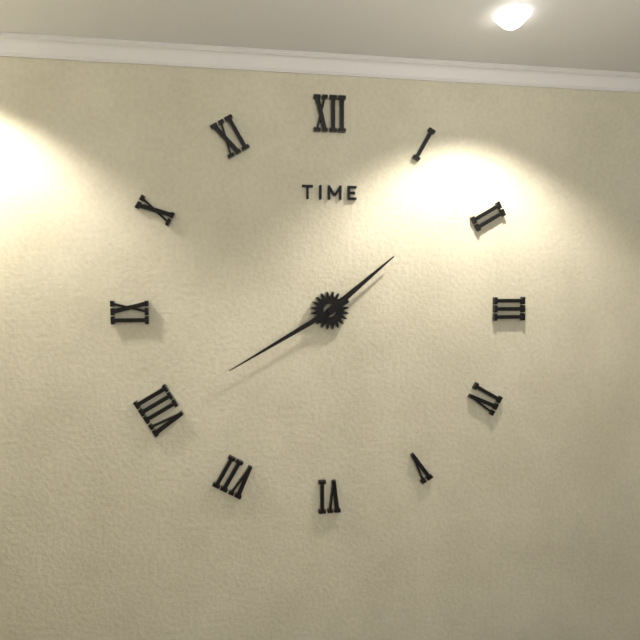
1h40
